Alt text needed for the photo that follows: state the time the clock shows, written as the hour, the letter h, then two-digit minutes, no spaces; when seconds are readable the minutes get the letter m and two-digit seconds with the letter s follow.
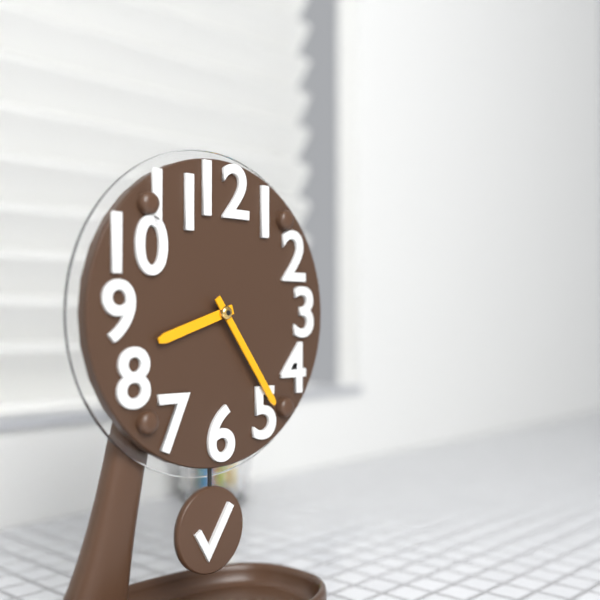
8h24
